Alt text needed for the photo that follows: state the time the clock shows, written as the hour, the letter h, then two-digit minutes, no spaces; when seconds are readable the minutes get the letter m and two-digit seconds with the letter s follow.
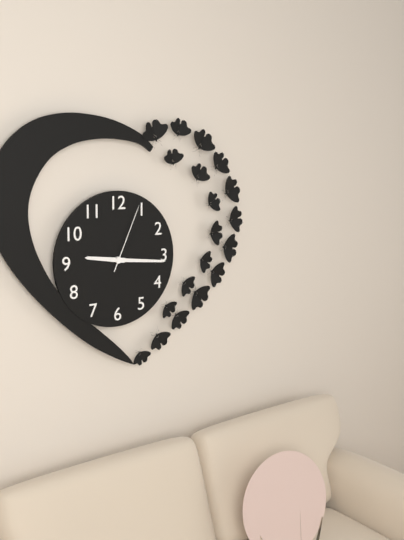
9h16m04s
